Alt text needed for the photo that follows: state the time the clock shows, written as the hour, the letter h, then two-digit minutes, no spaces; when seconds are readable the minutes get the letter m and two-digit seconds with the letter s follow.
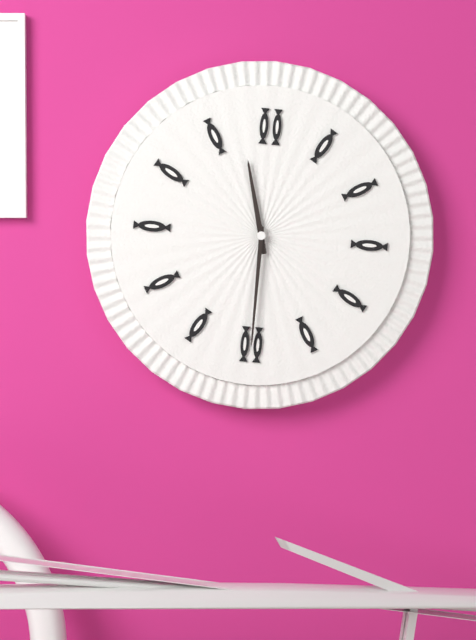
11h30
